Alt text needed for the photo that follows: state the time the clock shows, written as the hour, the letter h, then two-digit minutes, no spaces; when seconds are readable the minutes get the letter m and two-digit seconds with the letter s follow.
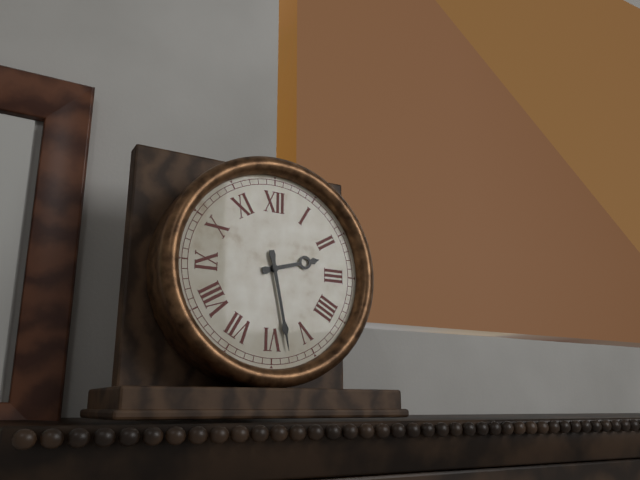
2h28
